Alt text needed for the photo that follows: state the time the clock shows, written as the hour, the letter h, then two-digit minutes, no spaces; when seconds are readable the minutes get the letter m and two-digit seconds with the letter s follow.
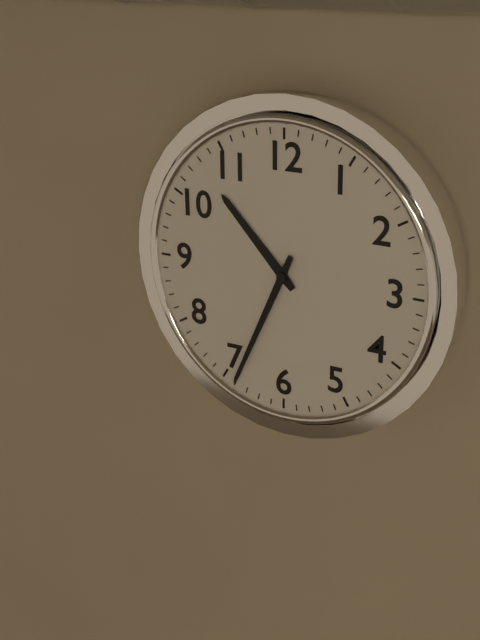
10h34
